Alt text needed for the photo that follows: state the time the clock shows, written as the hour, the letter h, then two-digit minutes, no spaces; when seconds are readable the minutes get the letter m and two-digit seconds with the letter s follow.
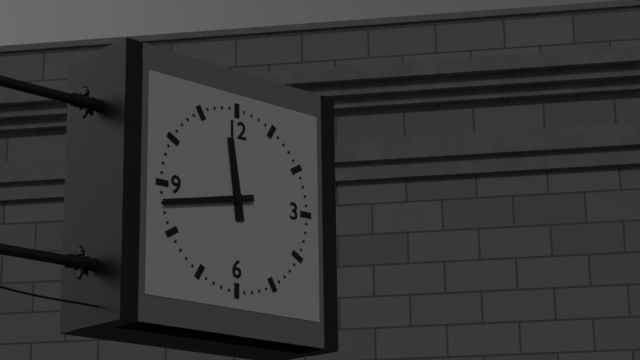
11h43
